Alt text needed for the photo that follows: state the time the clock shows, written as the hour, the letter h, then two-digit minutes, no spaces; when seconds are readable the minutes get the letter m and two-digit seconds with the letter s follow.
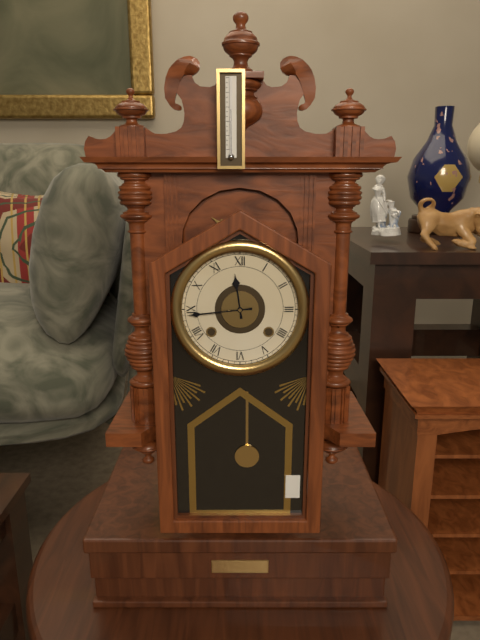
11h44
